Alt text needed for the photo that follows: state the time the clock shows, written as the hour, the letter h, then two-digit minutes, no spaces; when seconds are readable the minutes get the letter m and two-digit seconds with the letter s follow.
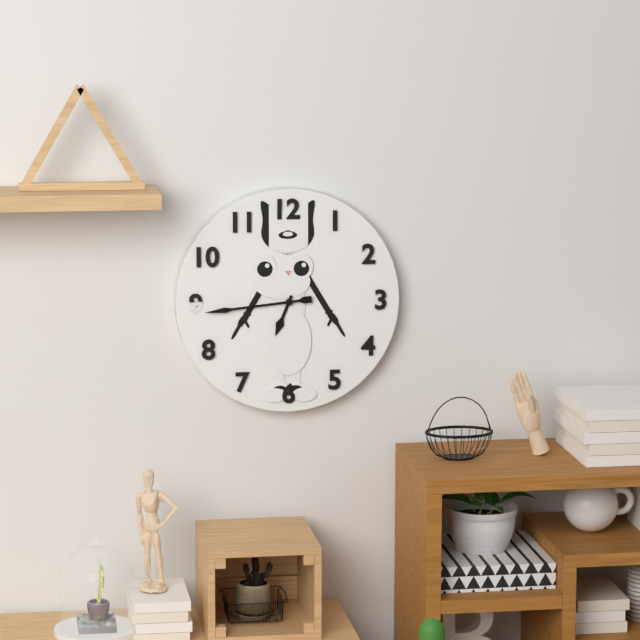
6h44
